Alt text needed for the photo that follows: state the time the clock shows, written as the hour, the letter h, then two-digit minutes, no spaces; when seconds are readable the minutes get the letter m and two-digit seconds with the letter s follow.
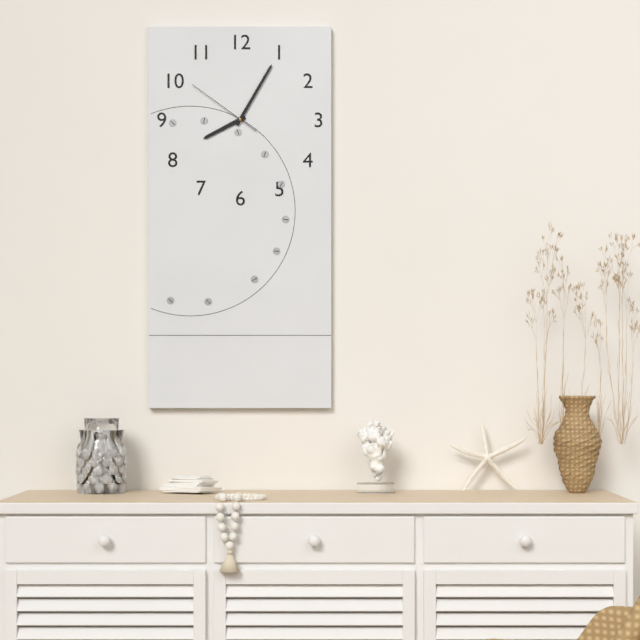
8h05m51s
